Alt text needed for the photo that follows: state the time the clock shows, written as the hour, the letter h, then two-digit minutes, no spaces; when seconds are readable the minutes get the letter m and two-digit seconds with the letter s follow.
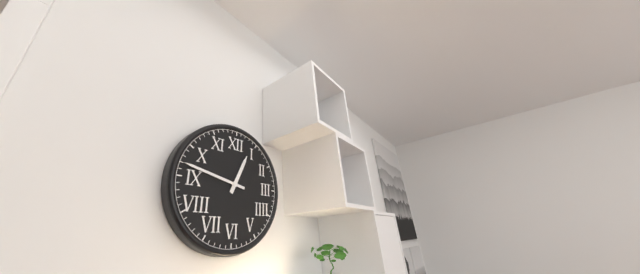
12h47
